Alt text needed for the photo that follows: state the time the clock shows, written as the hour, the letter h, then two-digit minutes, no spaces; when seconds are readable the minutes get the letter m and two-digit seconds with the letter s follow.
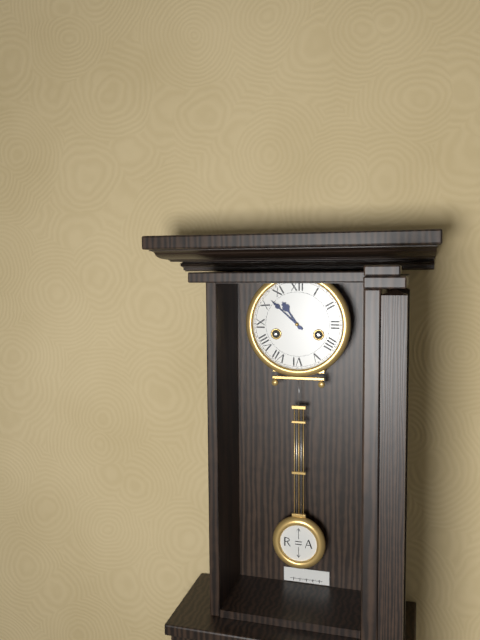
10h52
